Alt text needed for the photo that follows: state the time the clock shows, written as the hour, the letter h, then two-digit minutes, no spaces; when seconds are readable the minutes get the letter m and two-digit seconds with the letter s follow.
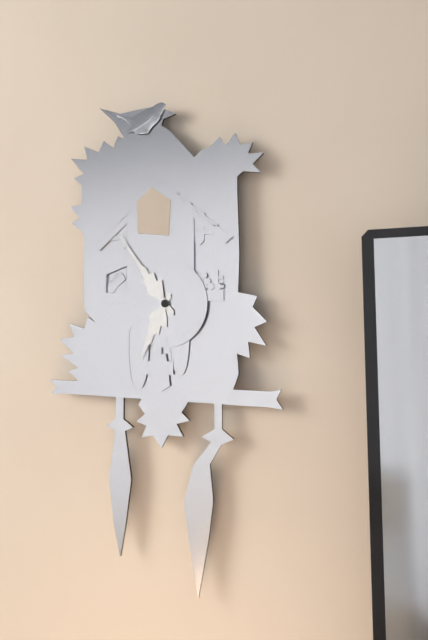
6h54
